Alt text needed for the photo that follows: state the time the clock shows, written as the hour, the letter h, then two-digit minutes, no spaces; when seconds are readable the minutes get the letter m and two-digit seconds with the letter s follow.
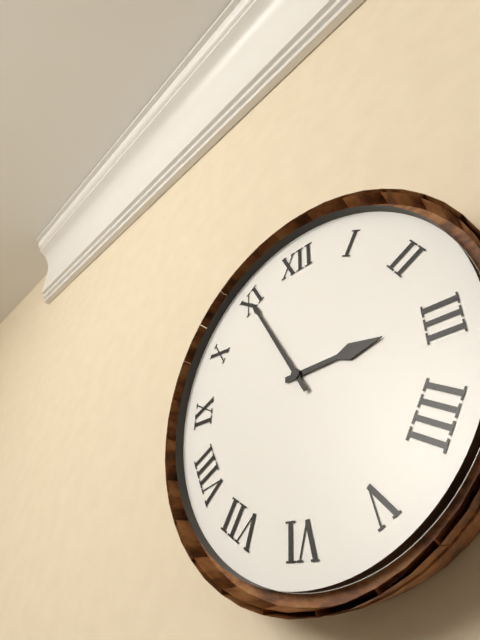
2h55
